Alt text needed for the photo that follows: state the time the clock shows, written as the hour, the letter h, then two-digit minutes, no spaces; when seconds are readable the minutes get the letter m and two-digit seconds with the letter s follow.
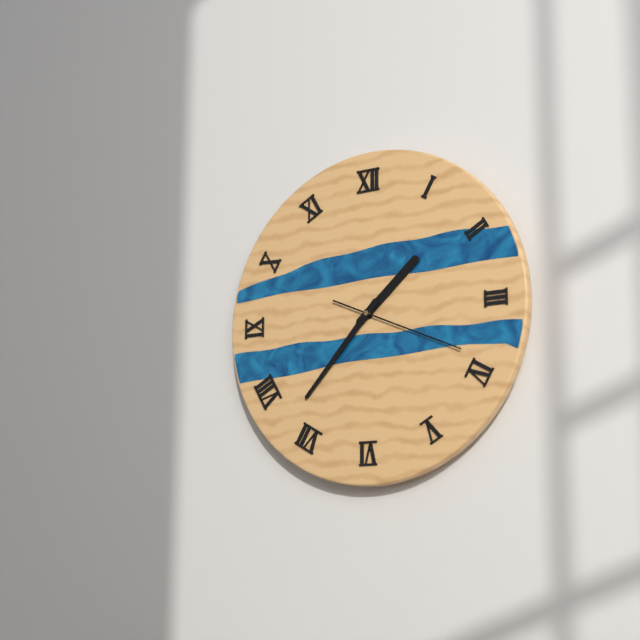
1h37m19s
